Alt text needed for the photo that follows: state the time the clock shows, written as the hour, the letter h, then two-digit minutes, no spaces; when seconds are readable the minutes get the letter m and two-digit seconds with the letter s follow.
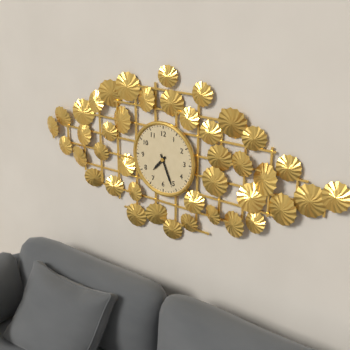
7h26
